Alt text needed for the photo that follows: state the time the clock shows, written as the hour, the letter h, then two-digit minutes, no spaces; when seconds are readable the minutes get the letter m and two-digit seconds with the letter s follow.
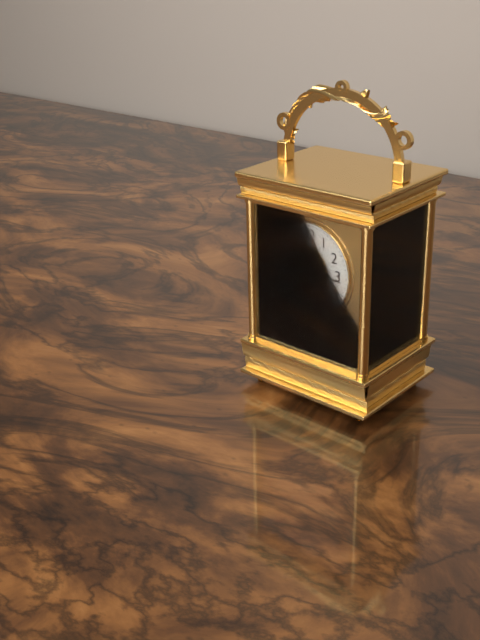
11h16
